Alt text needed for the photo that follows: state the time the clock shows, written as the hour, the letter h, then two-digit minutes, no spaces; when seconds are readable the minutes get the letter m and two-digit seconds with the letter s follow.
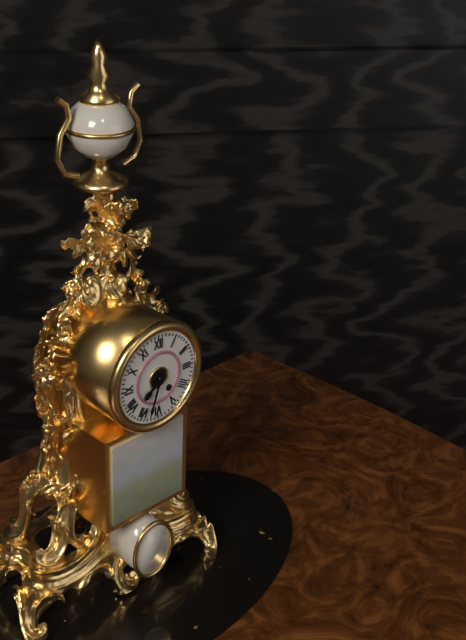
7h33
